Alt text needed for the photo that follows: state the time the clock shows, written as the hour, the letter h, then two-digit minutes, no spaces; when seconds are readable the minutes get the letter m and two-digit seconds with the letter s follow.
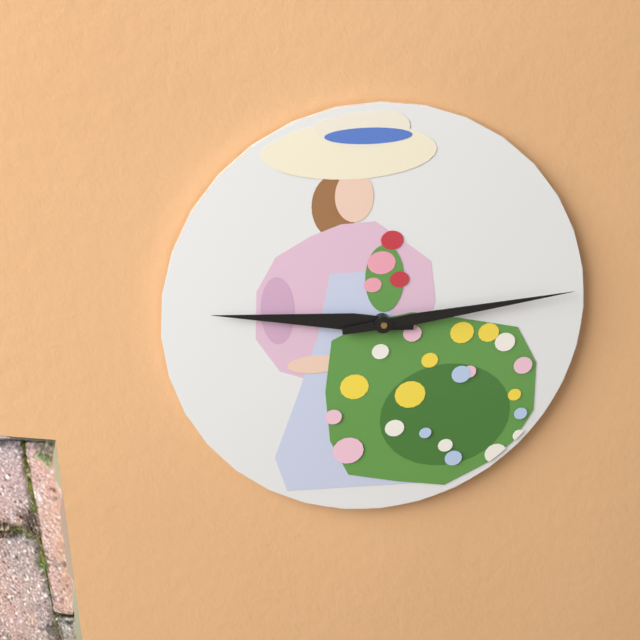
9h14
